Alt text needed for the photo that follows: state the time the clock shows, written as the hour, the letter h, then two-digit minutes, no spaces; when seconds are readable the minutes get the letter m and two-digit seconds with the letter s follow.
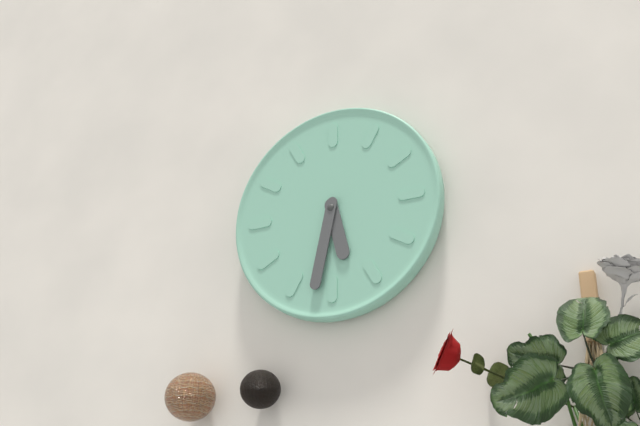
5h32
